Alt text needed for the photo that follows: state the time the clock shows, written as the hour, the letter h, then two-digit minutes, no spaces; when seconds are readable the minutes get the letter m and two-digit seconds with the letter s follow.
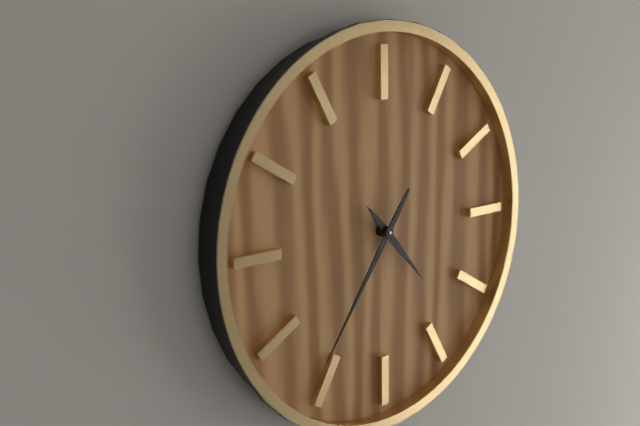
4h36
